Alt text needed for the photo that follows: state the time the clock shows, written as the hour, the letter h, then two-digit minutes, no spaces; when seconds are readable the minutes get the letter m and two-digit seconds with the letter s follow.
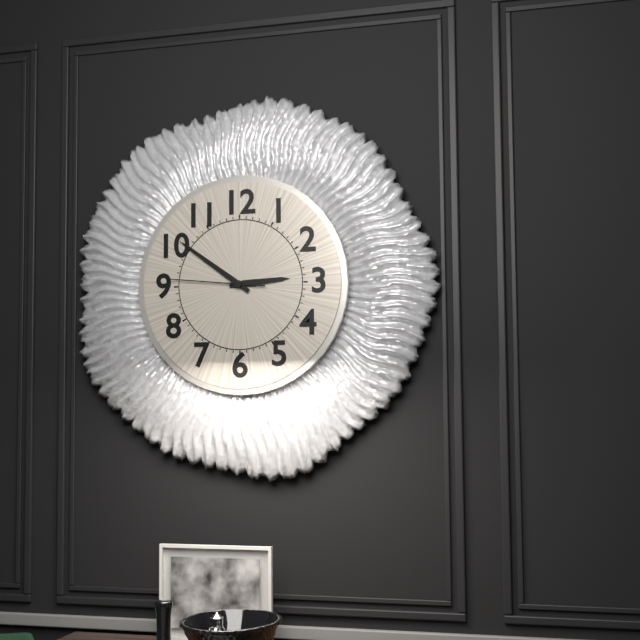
2h51m46s
